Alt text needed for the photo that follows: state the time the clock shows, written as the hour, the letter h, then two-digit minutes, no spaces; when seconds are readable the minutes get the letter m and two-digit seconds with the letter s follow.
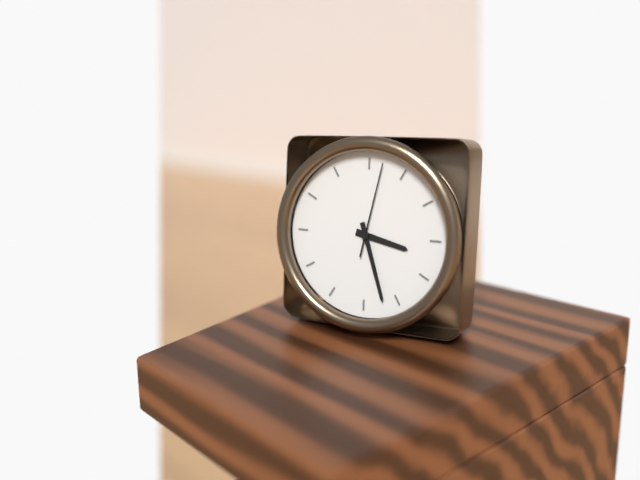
3h27m02s
